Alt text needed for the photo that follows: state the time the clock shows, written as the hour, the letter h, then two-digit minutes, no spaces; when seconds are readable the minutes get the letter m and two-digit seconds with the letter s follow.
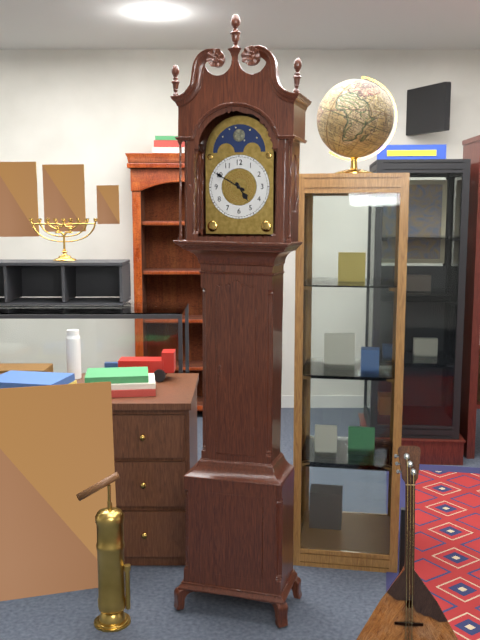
4h50
